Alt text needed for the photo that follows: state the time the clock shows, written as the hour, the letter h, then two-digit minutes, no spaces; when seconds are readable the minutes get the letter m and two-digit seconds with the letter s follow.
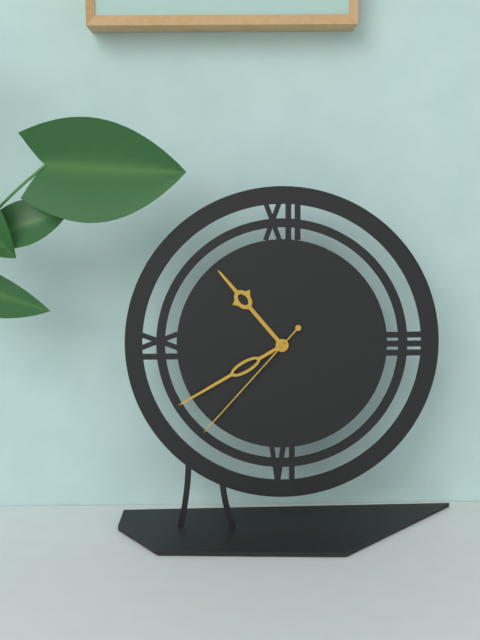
10h40m37s
